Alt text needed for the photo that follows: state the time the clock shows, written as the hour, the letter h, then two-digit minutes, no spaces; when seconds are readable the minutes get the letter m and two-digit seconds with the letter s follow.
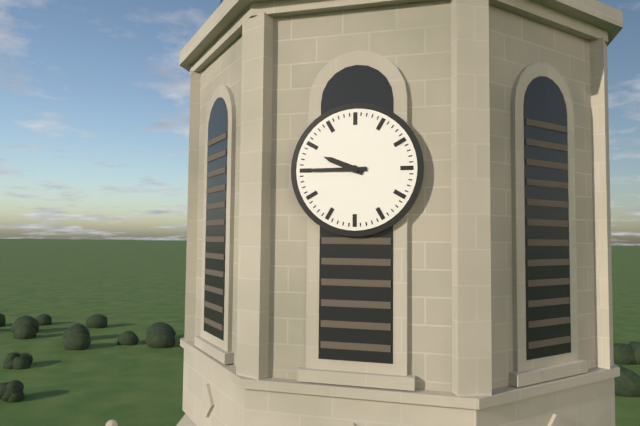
9h45
